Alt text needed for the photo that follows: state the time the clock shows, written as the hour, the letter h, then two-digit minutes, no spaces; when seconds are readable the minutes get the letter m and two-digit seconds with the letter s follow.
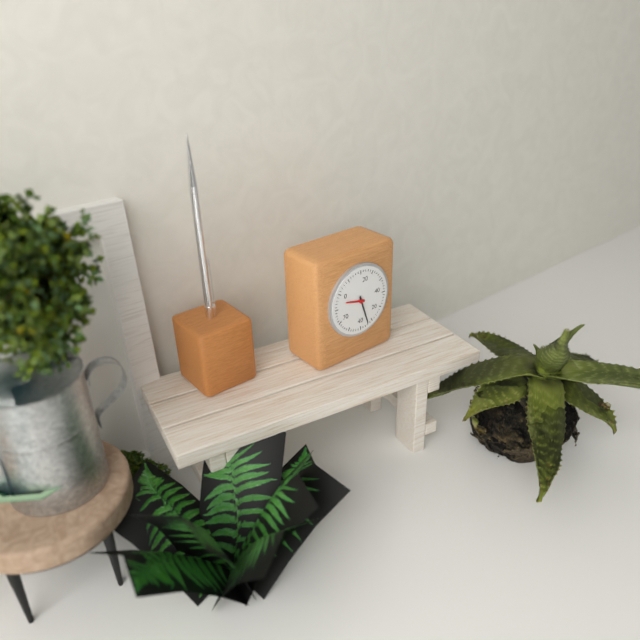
9h27
